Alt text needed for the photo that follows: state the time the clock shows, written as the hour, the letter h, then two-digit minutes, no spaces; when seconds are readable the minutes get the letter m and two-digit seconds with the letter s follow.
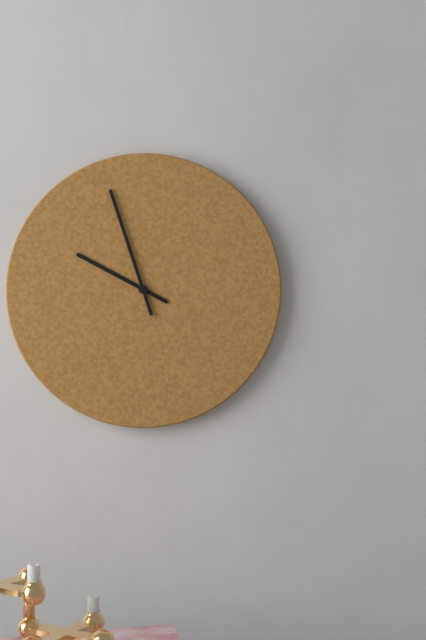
9h57
